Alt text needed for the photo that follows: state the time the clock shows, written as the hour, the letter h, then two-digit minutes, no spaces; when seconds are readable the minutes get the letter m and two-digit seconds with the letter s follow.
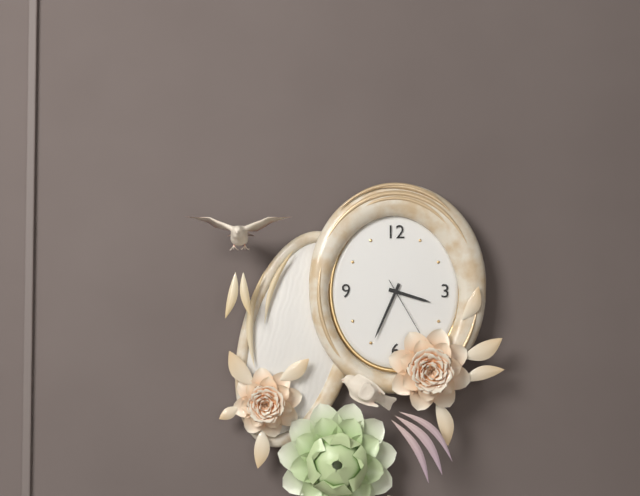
3h34m25s
